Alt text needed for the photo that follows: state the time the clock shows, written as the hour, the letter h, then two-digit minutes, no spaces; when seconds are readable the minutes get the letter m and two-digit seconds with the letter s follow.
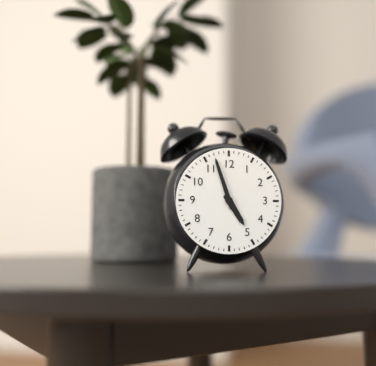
4h57
